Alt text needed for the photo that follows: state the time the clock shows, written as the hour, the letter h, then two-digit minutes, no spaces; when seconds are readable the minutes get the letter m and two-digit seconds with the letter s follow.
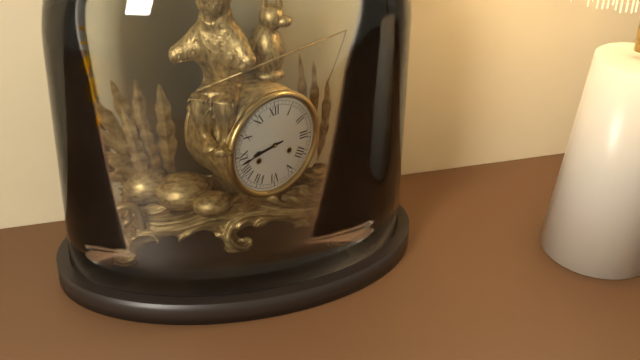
8h43
